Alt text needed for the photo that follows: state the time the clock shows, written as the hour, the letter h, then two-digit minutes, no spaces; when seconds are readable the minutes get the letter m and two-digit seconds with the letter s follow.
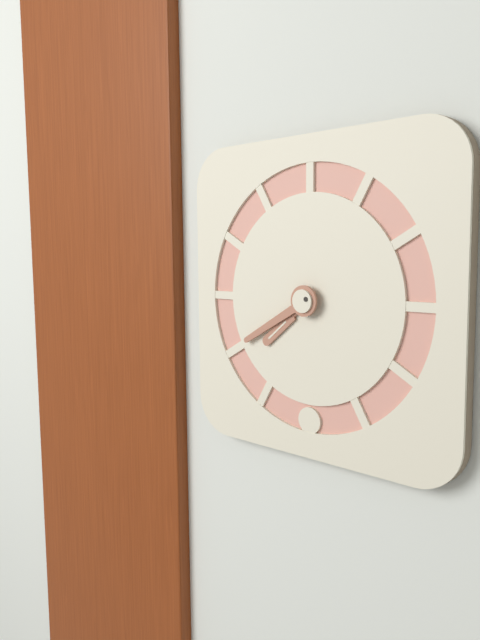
7h40
